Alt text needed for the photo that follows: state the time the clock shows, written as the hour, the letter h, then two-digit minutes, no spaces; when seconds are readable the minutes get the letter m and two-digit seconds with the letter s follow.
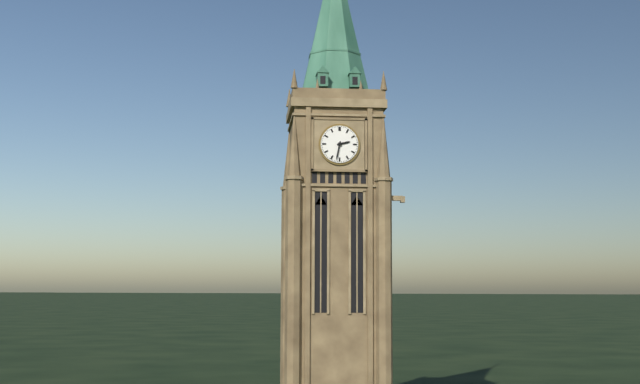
2h32
